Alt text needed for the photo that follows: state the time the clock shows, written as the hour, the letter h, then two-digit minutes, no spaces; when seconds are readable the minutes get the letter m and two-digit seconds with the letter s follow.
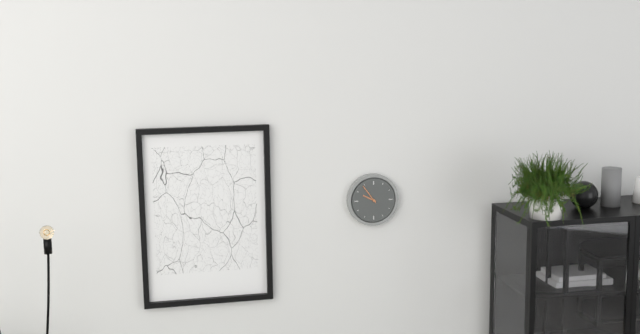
9h54
